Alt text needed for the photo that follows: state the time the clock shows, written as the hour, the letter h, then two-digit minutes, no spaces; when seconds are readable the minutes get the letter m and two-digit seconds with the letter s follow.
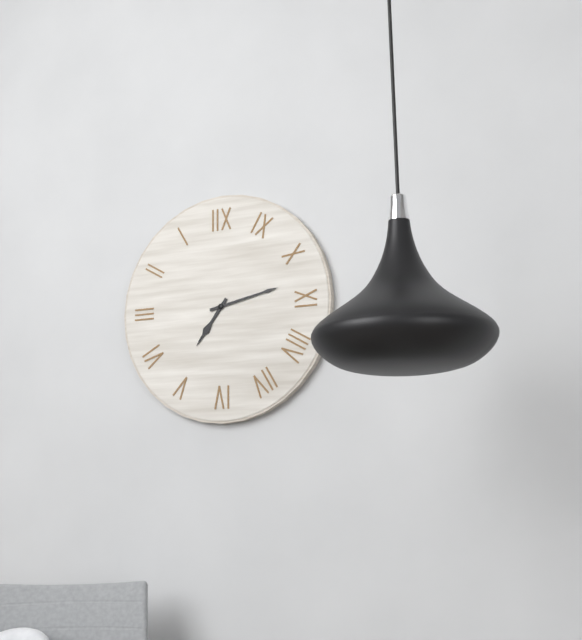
7h13
